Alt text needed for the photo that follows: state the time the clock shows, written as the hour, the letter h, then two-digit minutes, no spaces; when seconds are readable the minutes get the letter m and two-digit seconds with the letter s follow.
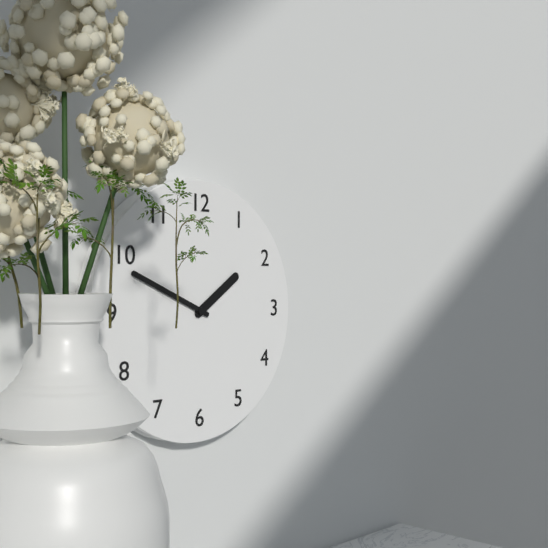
1h49
